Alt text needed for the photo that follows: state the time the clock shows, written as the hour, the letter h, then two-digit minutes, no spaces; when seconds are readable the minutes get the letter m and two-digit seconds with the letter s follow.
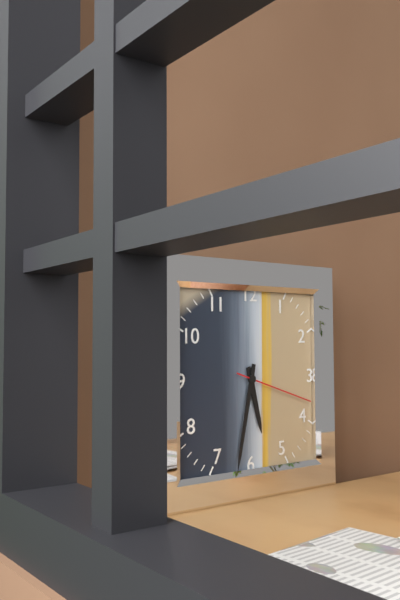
5h32m18s
